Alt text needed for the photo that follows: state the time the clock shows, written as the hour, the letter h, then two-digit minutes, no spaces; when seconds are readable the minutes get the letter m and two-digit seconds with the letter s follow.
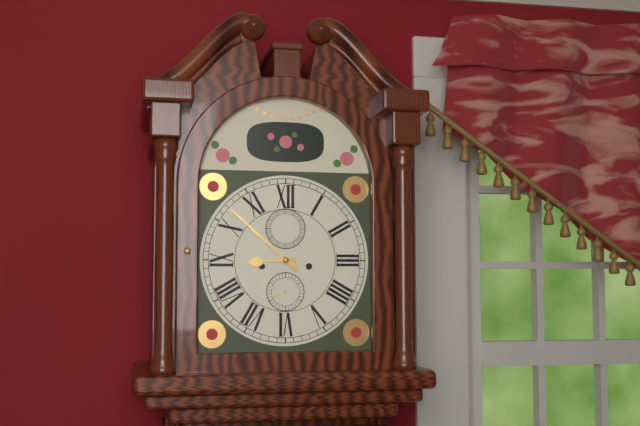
8h52
